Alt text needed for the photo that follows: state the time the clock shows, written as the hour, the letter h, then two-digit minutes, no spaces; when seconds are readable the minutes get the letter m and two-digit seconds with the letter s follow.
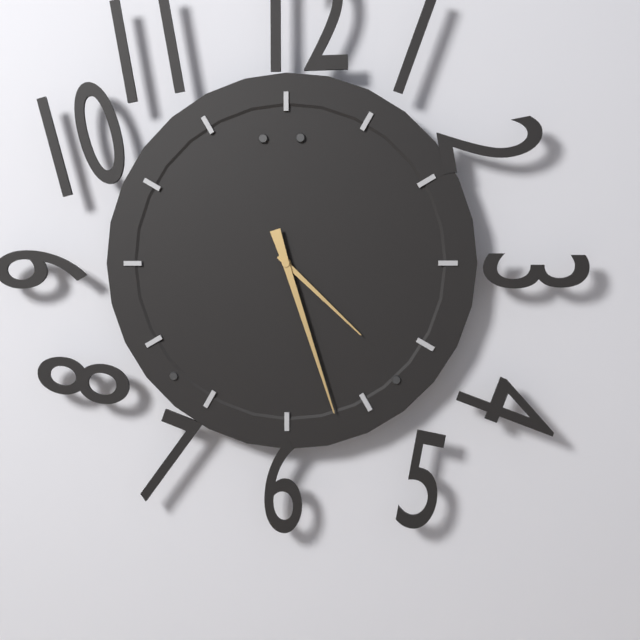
4h27
